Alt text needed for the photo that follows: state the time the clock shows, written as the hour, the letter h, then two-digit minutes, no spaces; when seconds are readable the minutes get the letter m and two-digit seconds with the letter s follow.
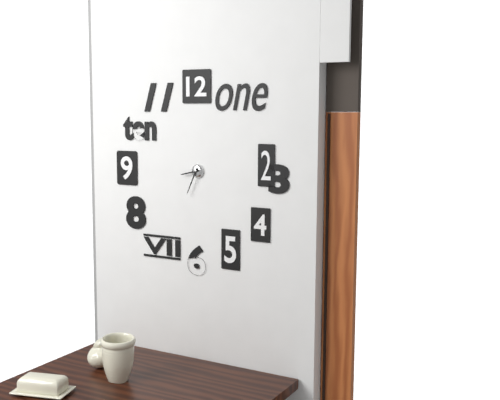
8h34
